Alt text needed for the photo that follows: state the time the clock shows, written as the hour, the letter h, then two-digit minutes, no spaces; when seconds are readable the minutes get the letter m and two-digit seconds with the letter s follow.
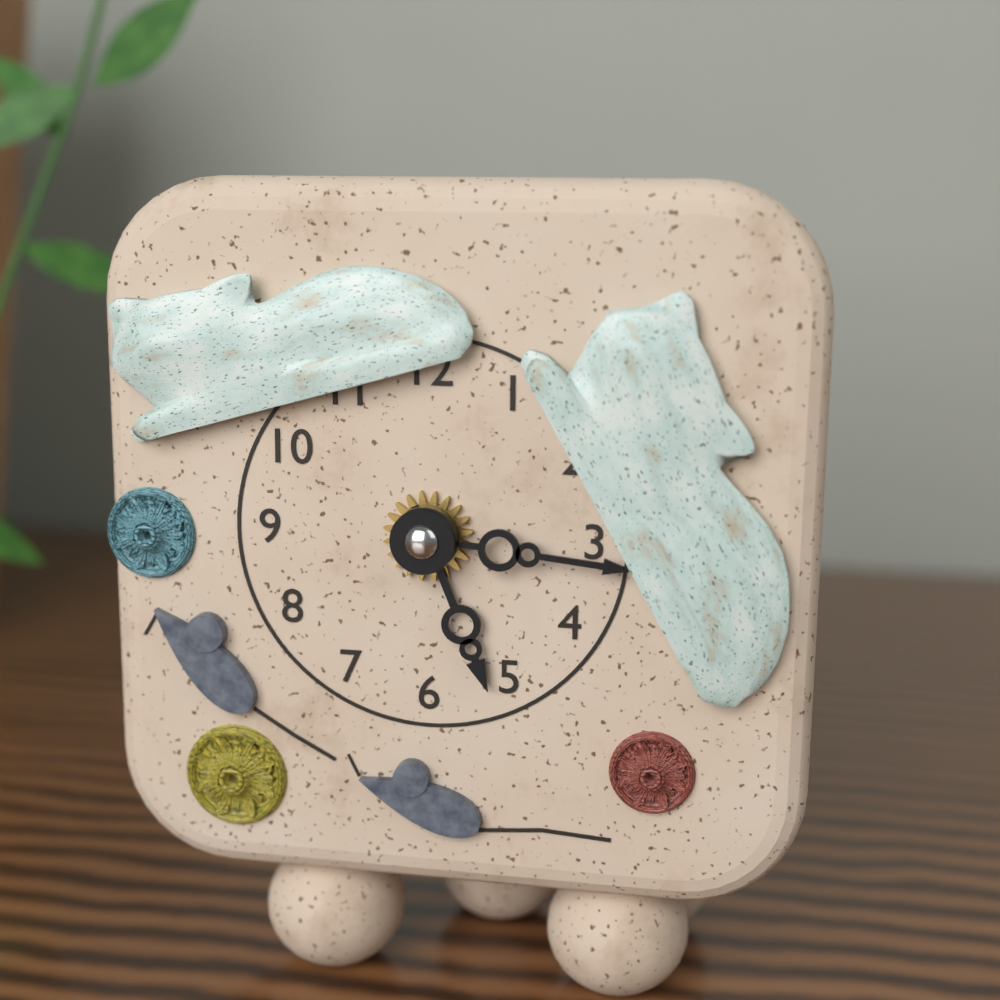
5h16
